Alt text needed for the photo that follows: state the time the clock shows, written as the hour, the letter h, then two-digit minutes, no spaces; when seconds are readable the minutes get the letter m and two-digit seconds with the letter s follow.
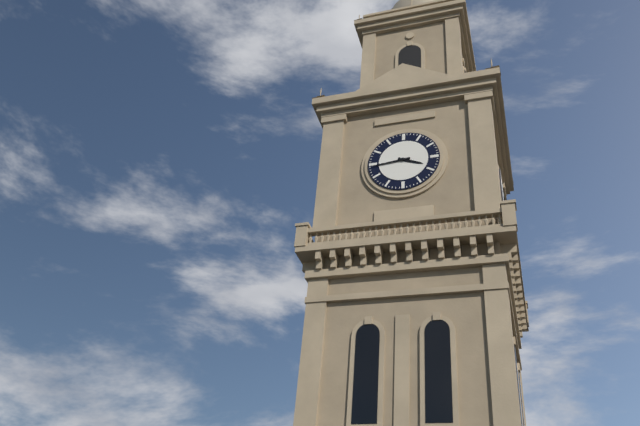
3h44
